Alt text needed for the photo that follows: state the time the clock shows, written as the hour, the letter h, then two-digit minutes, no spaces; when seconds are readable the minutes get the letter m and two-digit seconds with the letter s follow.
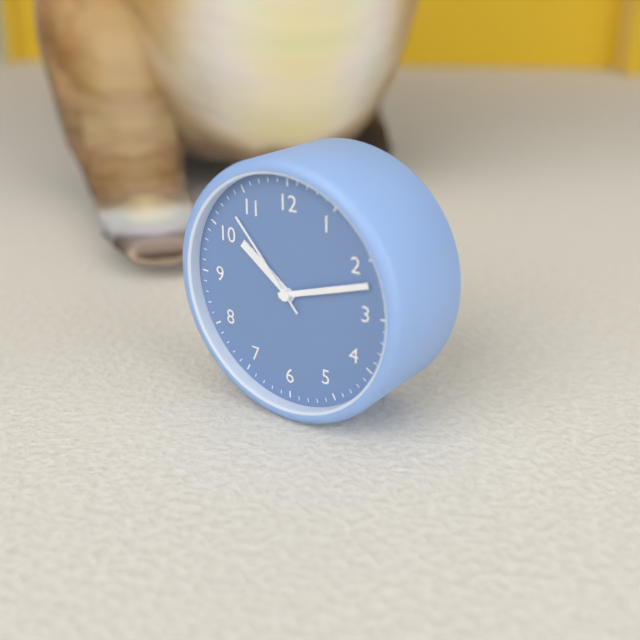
10h12m53s
